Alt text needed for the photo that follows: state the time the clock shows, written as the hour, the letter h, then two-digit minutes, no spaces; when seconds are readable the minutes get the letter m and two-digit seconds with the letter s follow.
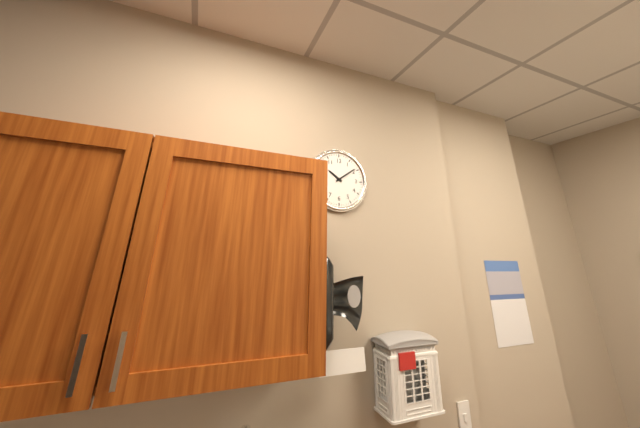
10h09
